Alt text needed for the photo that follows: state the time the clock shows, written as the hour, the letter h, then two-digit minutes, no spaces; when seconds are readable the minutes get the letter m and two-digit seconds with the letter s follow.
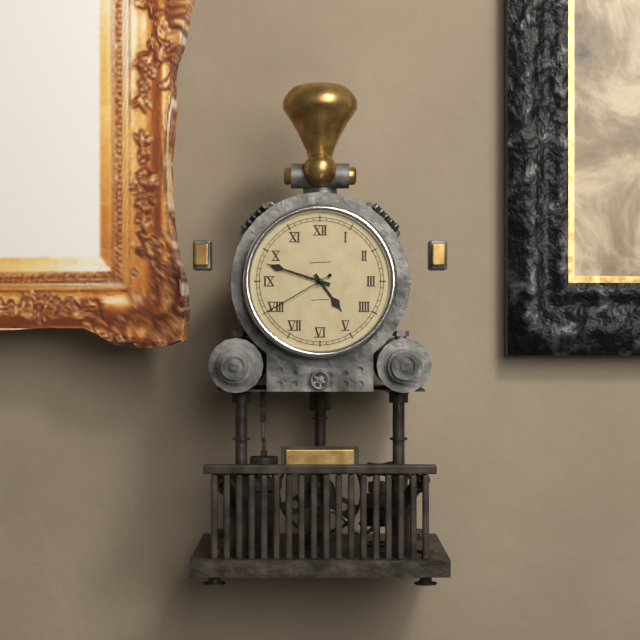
4h48m40s
